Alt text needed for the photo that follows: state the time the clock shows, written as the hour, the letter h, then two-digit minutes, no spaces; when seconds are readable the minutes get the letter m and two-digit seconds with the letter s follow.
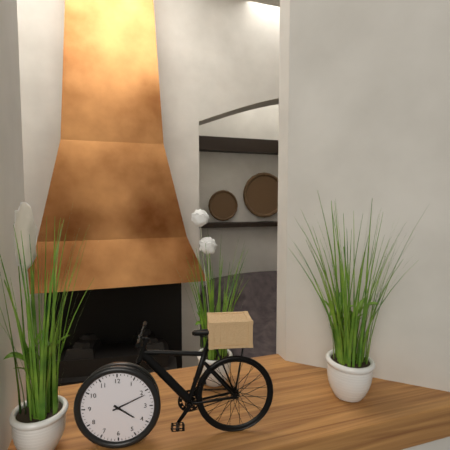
4h11
